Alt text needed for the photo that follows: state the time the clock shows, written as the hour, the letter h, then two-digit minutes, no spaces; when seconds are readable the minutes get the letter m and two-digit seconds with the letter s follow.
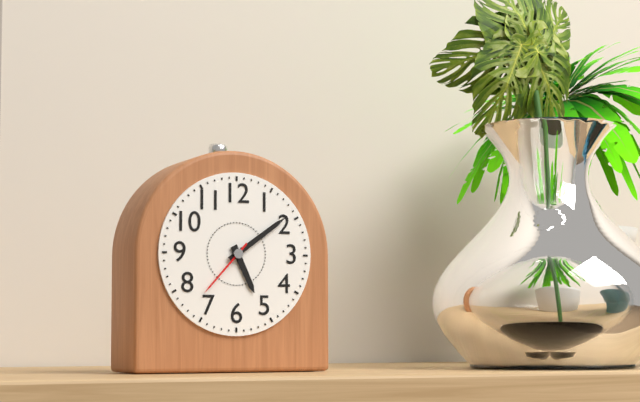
5h09m37s
